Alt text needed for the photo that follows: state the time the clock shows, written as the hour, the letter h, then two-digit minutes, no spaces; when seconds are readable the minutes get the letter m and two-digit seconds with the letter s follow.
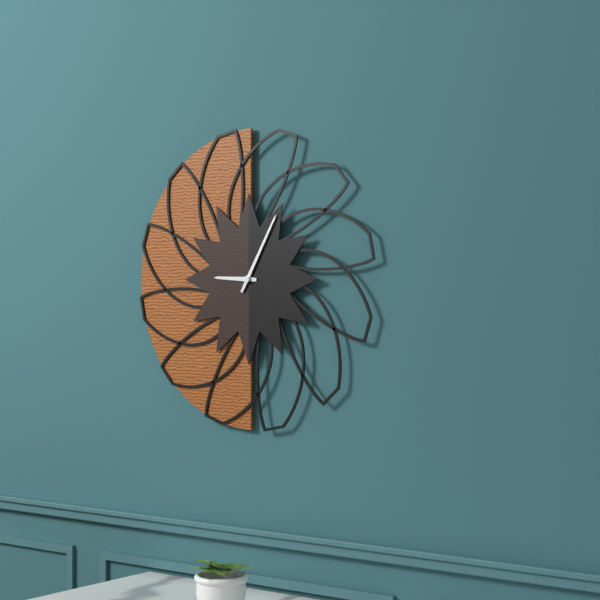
9h05
